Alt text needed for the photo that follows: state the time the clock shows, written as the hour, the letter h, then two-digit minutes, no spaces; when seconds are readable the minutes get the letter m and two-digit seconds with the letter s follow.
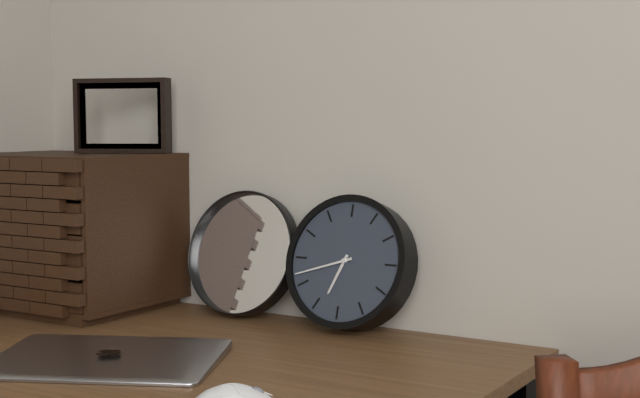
6h42
